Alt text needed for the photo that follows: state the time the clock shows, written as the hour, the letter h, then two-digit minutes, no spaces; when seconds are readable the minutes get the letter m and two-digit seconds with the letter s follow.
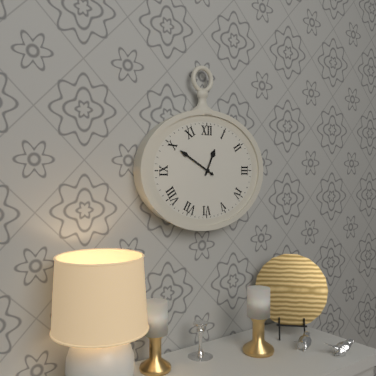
12h50
